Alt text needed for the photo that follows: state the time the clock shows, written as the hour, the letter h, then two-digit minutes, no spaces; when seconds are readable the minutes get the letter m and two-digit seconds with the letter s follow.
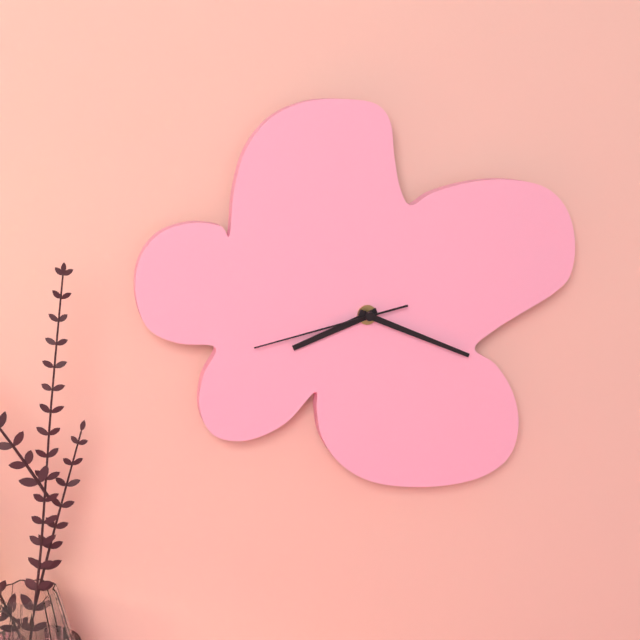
8h19m43s
